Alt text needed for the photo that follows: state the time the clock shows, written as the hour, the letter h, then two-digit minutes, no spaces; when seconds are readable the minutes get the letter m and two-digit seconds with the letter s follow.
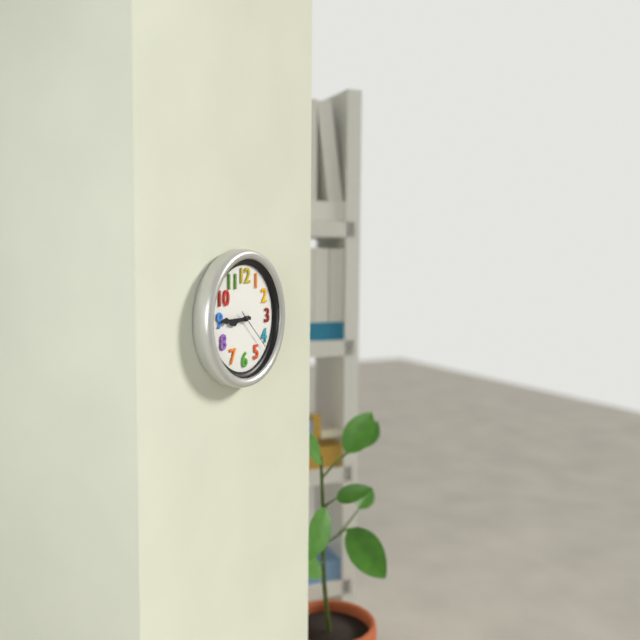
8h45
